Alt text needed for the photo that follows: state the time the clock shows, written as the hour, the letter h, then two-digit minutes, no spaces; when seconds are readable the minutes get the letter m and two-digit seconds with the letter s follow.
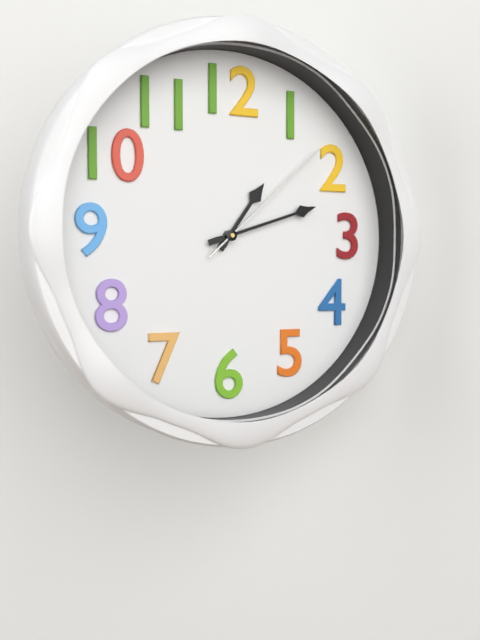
1h12m08s
